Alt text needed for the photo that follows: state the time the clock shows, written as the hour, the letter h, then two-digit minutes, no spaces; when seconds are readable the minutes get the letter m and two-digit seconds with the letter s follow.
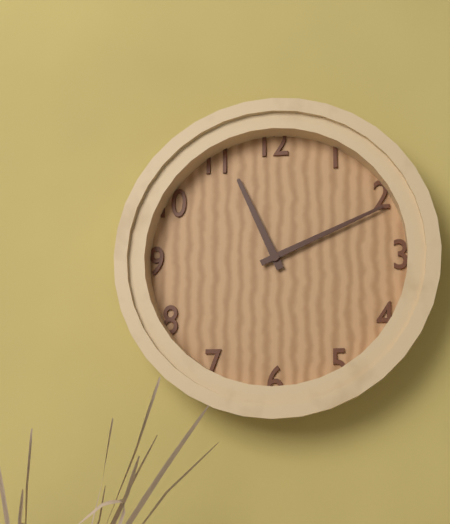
11h11
